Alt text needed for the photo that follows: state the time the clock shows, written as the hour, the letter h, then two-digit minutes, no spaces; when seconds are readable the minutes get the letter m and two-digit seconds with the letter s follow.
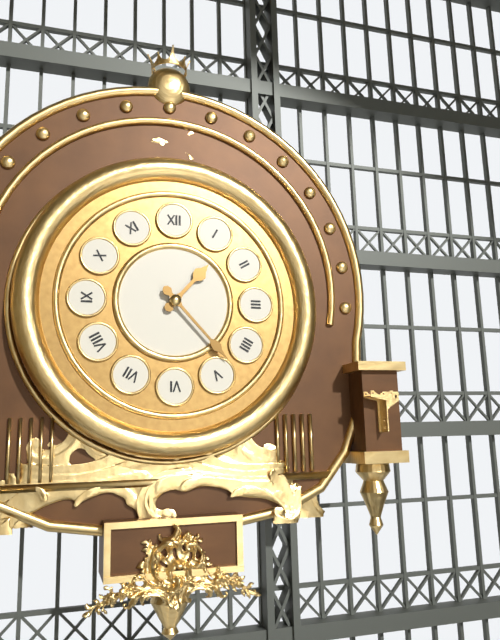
1h23
